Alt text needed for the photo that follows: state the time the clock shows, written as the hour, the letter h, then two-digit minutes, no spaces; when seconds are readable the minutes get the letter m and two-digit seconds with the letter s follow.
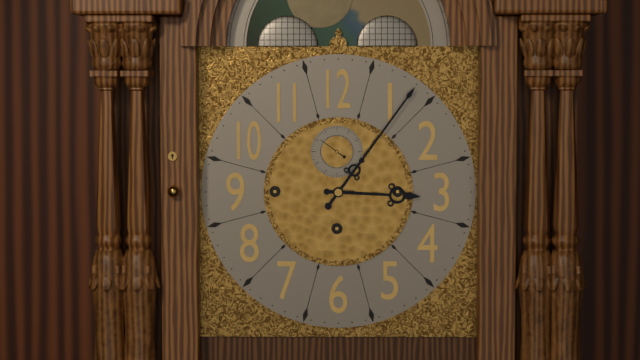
3h06
